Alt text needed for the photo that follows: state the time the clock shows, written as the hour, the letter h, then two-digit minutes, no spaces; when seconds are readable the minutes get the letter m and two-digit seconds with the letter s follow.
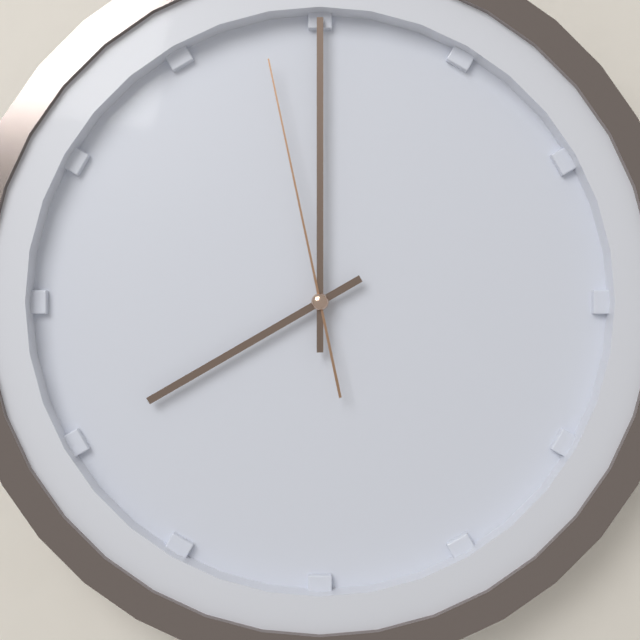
8h00m58s
